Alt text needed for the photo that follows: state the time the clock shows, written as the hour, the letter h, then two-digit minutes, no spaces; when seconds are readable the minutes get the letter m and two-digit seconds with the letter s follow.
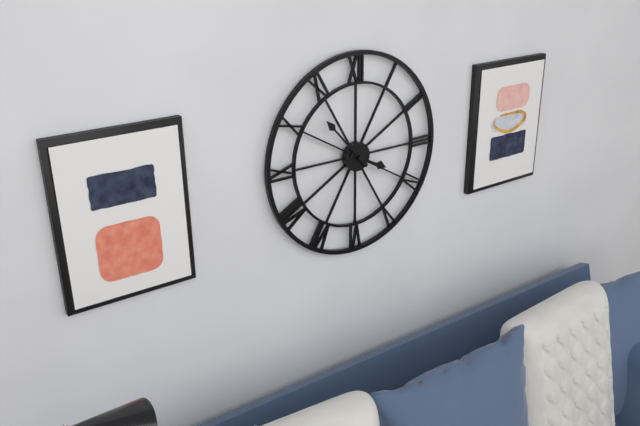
3h53
